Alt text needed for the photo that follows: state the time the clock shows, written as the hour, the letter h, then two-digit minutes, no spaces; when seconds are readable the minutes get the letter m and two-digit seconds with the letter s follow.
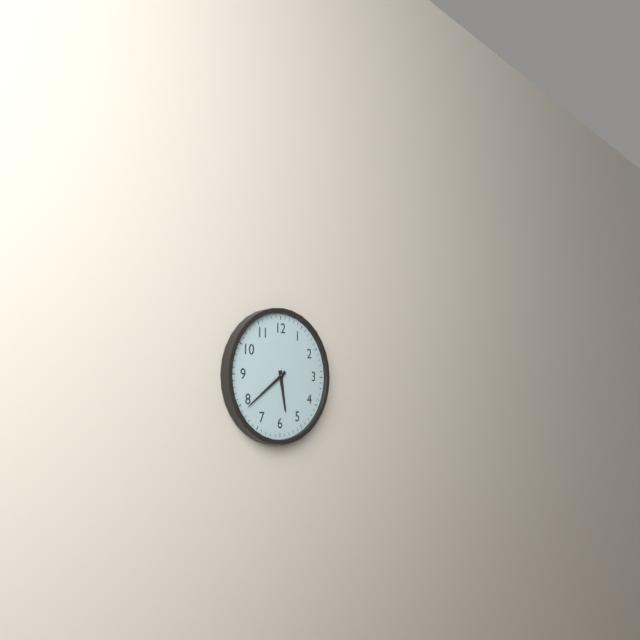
5h39
